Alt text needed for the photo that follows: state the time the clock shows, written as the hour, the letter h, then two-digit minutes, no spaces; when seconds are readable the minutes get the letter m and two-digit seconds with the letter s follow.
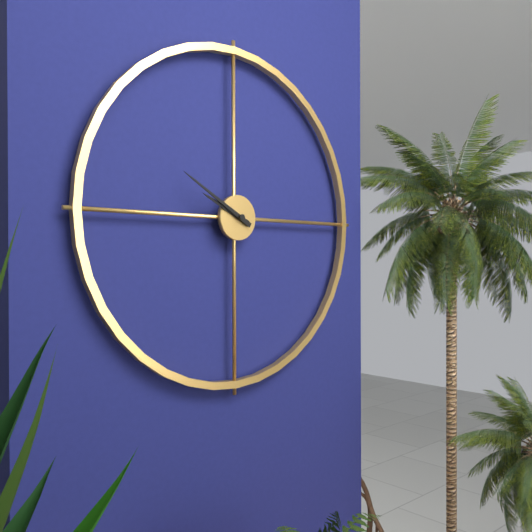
9h50
